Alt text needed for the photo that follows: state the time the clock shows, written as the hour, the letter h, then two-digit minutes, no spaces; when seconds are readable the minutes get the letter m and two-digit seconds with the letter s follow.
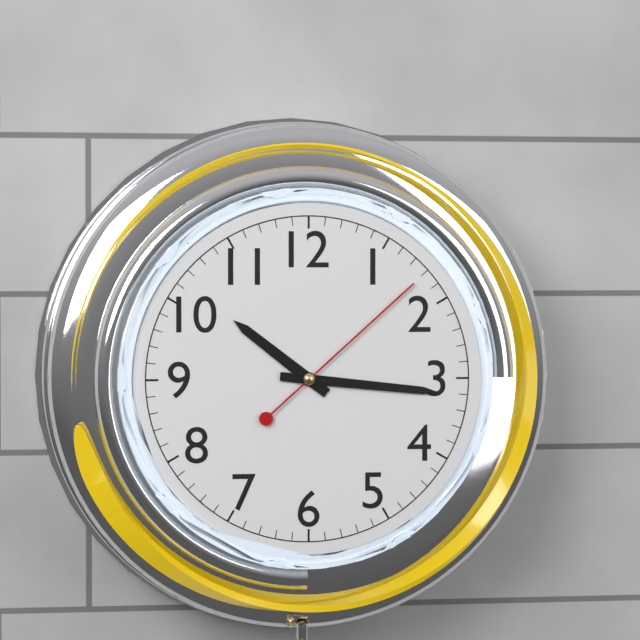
10h16m08s
